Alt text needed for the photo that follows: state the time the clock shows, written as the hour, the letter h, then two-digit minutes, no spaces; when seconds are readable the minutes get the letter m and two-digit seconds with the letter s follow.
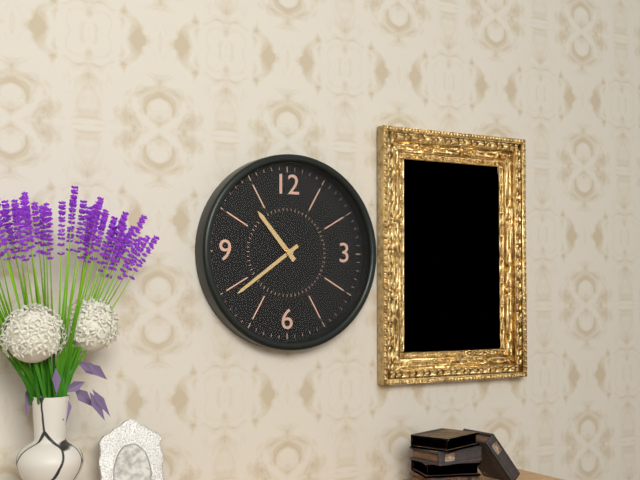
10h39
